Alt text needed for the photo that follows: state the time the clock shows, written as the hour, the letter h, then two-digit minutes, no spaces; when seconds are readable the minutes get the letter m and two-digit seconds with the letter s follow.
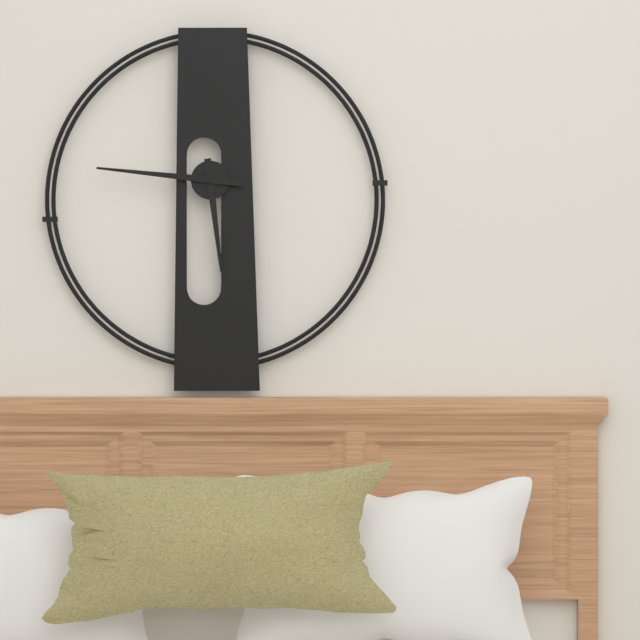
5h46
